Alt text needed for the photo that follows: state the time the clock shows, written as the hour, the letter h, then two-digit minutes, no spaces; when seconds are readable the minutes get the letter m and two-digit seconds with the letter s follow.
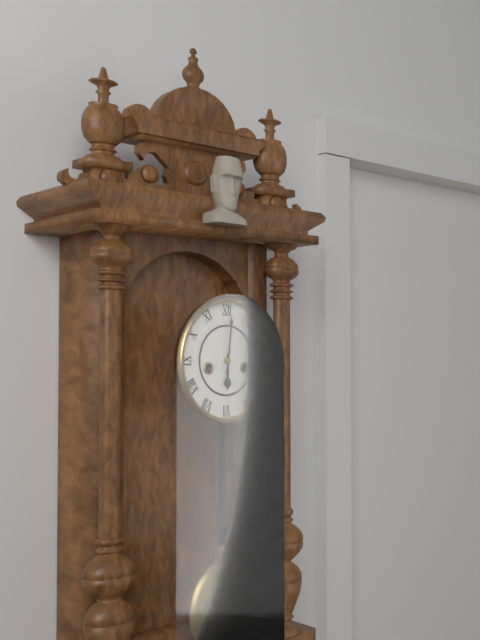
6h01
